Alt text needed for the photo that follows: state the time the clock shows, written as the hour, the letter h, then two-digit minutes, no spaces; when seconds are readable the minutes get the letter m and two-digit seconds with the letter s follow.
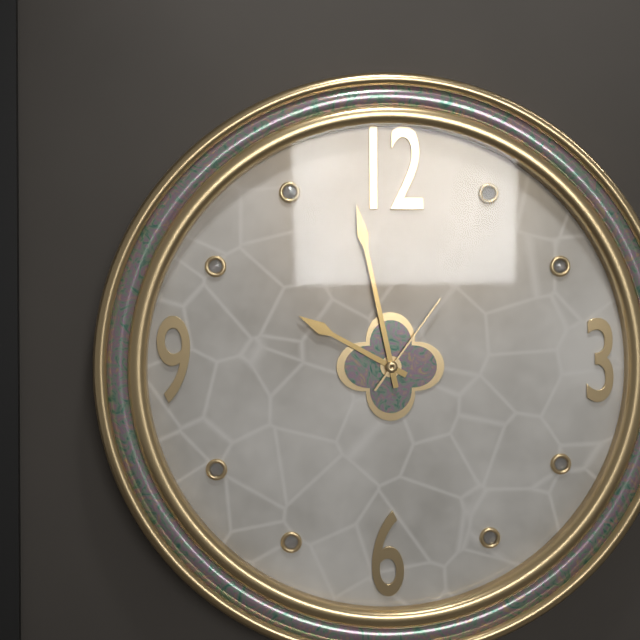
9h58m06s
